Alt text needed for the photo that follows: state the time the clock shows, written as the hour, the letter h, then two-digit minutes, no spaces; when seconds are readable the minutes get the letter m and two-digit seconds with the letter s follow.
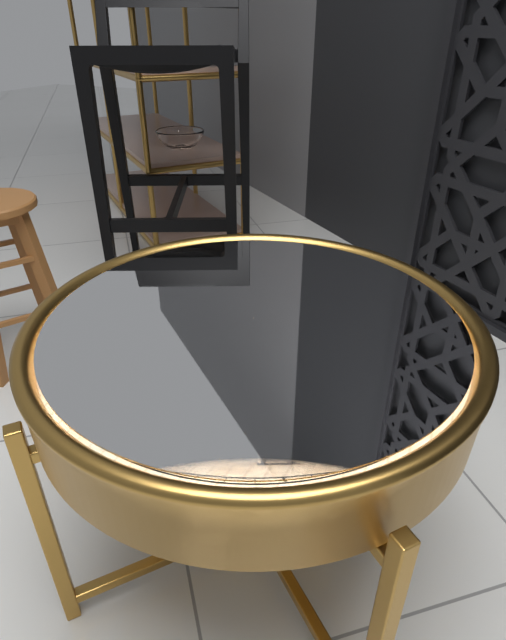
10h33
